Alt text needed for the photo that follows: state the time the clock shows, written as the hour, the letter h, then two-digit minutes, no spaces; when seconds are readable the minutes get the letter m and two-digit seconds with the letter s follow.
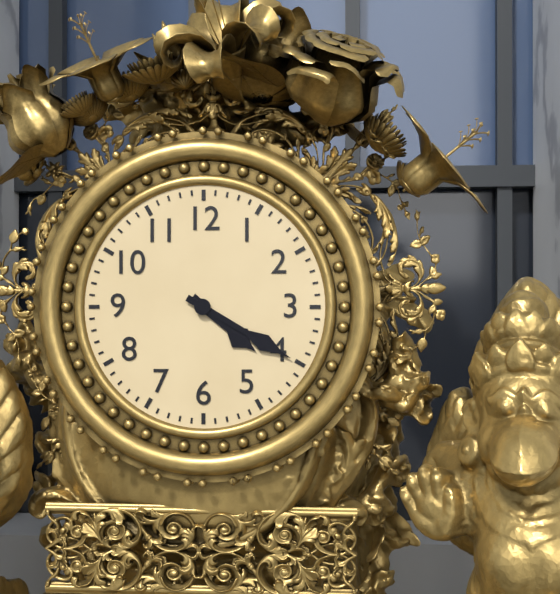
4h20
